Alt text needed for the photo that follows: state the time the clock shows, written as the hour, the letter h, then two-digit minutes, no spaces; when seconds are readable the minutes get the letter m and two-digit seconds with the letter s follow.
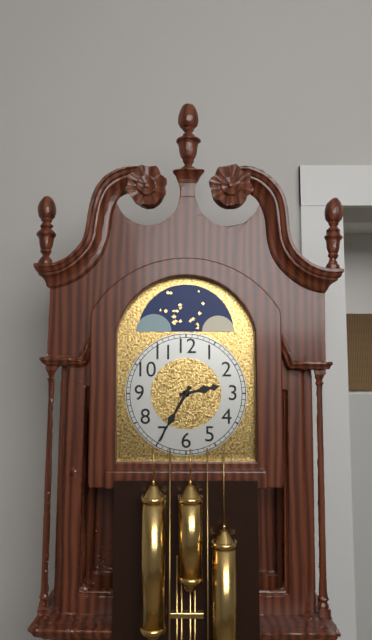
2h35
